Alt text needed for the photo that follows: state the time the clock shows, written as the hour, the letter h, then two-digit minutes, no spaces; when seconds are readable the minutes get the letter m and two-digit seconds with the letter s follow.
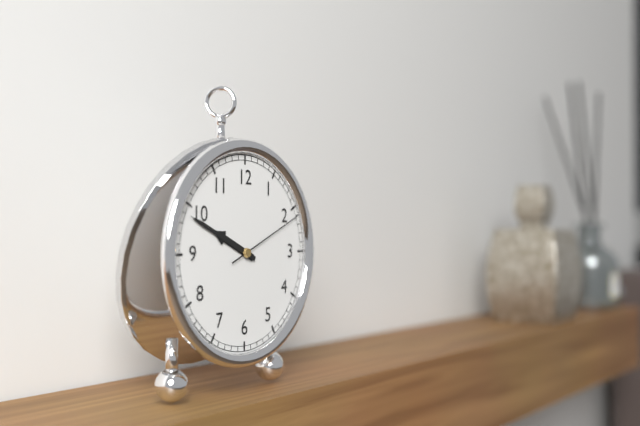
9h49m11s
